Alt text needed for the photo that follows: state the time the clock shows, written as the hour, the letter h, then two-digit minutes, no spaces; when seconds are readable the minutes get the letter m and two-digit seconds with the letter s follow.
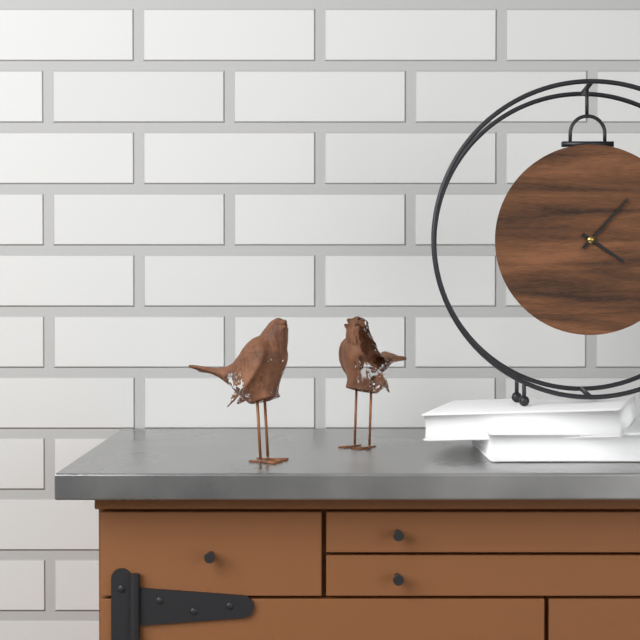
4h07
